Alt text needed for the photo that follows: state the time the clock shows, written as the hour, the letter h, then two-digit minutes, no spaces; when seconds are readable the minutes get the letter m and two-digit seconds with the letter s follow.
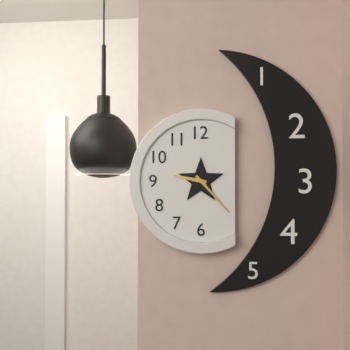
9h23
